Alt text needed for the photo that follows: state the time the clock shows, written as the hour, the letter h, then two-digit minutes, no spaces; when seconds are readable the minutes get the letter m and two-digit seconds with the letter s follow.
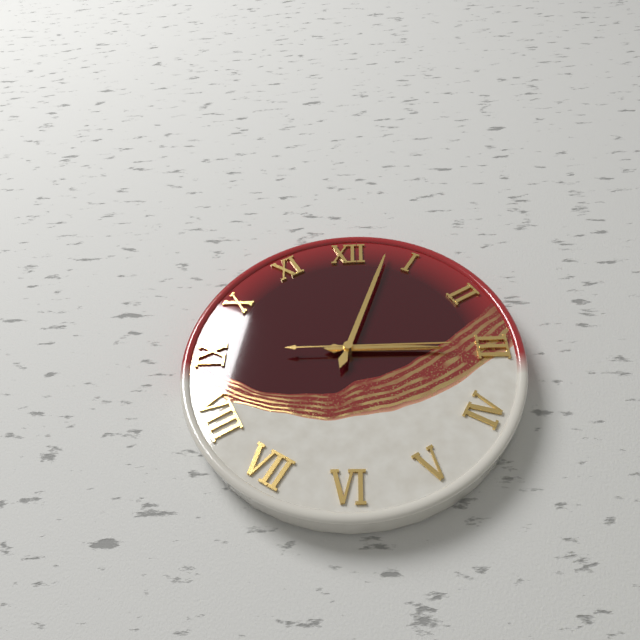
3h03m15s
